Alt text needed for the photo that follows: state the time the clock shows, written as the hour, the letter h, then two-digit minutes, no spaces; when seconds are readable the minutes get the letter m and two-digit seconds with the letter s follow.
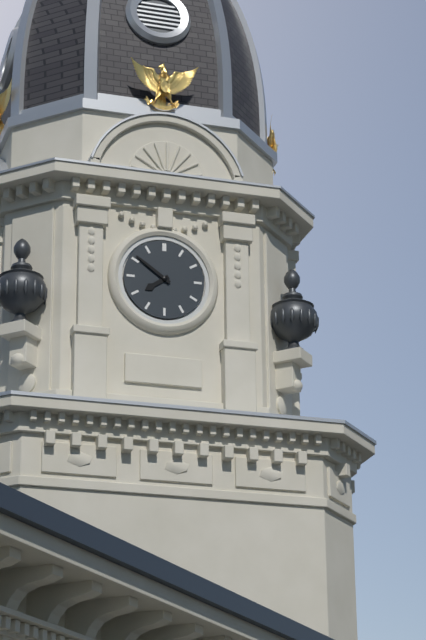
7h51
